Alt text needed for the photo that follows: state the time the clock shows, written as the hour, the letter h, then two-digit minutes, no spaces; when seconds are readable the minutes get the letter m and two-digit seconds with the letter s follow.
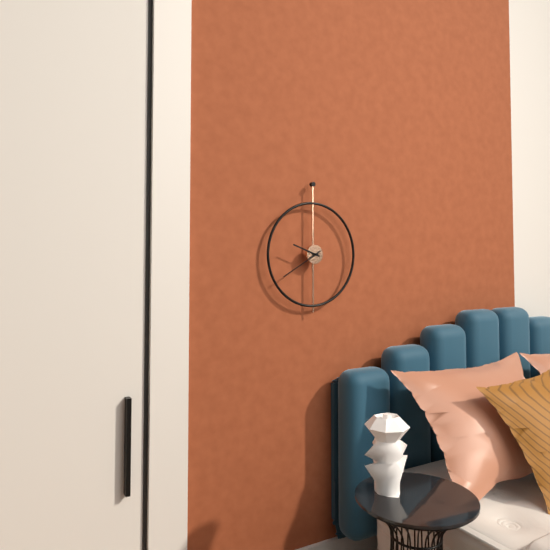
9h40
